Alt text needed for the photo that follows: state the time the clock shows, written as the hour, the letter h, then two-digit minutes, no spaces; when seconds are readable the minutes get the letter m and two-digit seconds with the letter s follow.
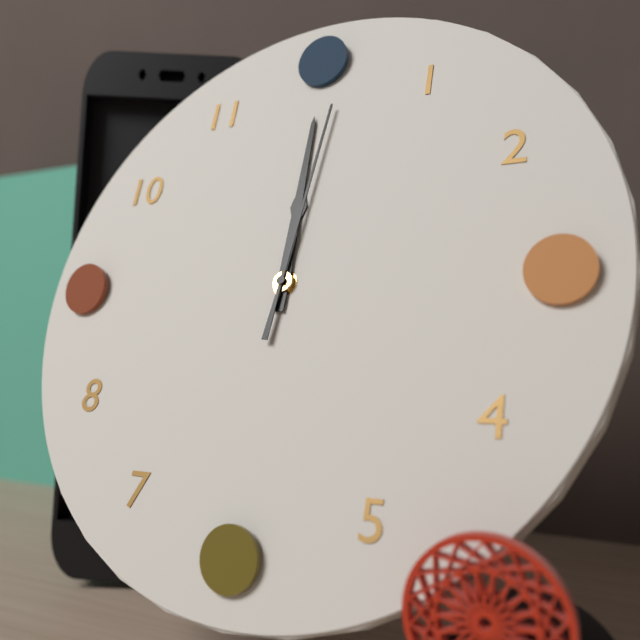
12h00m01s
